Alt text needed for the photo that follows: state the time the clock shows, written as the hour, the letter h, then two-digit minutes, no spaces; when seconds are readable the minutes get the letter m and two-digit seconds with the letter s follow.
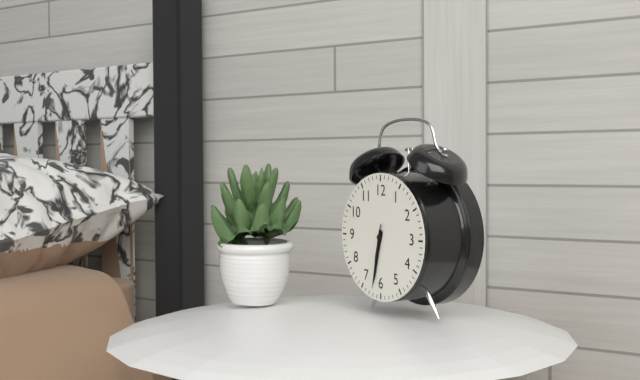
6h32m32s
